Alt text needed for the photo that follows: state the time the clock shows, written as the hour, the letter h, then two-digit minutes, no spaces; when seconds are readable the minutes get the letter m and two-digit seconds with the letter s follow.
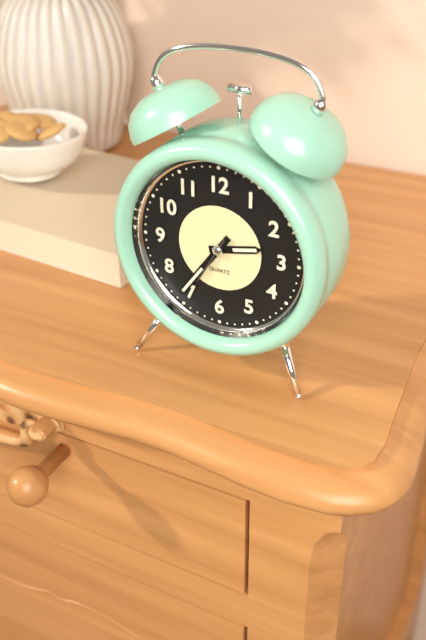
2h36m35s
